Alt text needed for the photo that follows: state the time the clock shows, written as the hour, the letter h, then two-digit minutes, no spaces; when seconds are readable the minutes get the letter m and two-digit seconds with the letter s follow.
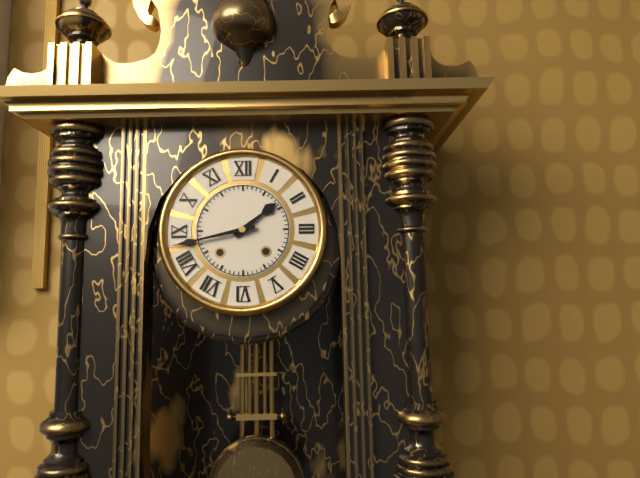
1h43
